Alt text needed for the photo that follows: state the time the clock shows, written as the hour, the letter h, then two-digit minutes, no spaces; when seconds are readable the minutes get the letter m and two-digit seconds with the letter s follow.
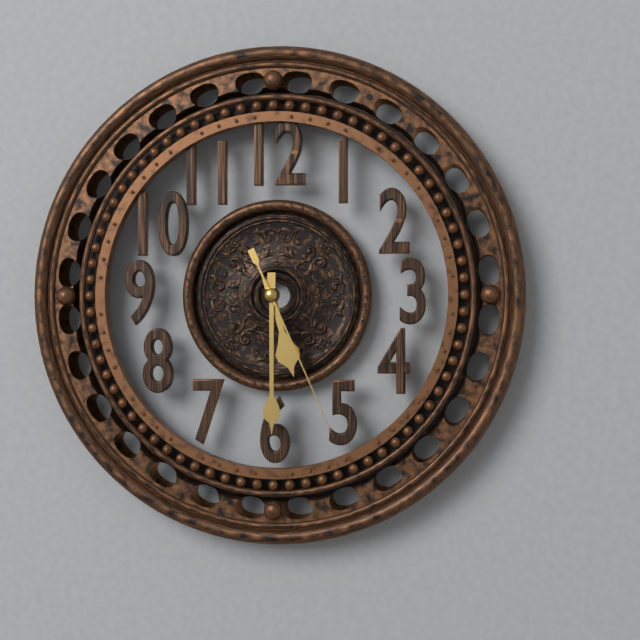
5h30m26s
